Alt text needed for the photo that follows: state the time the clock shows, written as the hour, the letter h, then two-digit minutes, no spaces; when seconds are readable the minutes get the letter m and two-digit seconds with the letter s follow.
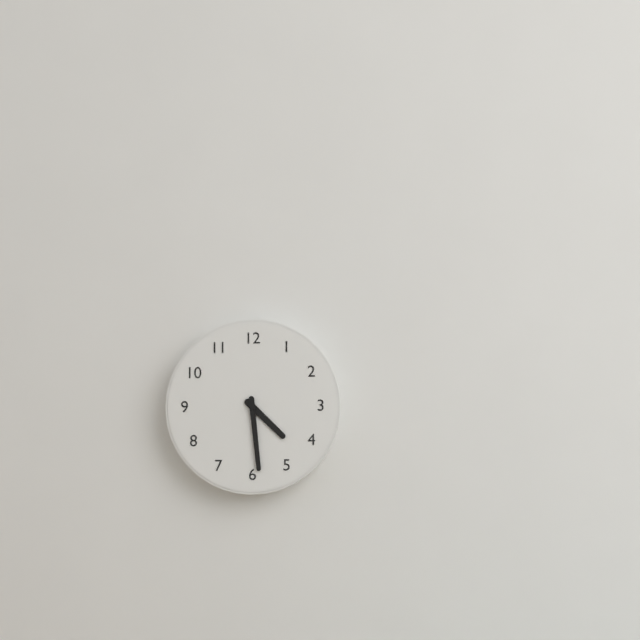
4h29
